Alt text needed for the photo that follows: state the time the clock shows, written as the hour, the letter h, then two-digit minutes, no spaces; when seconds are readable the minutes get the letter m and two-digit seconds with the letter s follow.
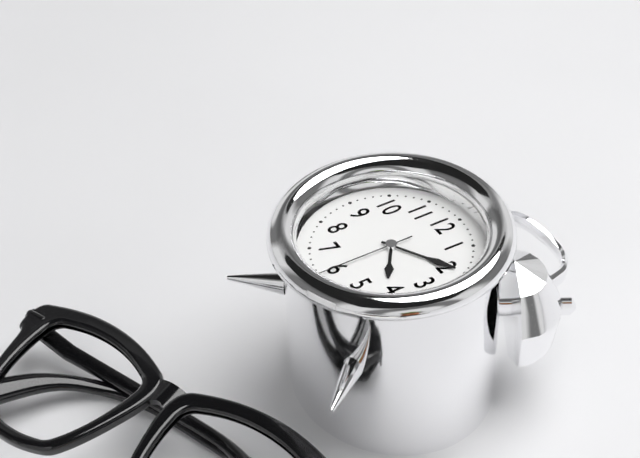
4h10m30s
